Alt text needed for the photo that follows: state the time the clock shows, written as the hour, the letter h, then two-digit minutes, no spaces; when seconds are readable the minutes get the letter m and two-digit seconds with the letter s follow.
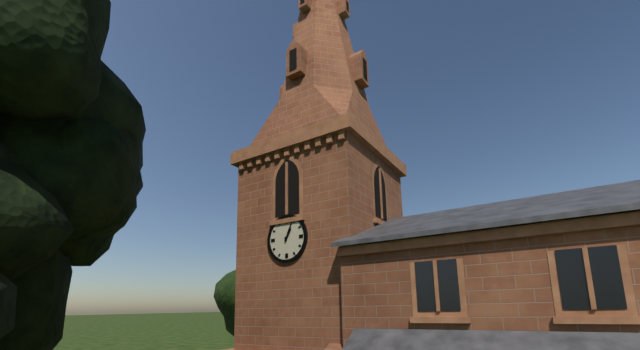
1h04
